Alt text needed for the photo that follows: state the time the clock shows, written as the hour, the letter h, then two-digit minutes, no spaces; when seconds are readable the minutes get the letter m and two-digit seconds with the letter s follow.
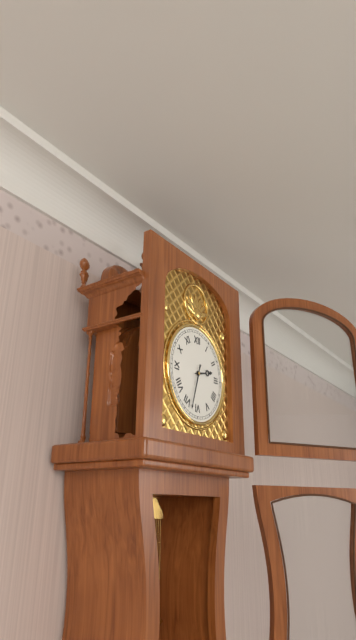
2h33
